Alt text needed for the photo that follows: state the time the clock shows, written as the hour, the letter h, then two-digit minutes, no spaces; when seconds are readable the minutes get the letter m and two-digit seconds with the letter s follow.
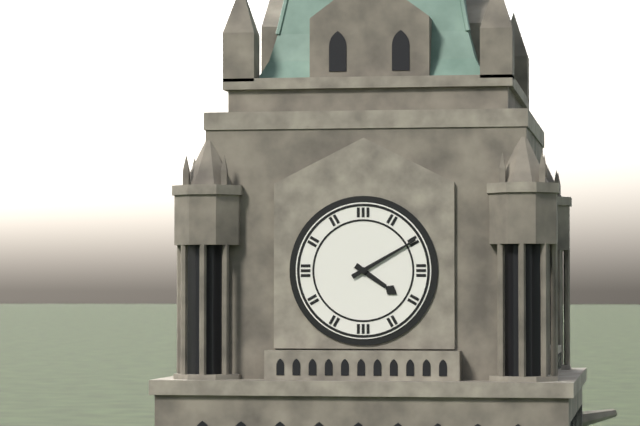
4h10
